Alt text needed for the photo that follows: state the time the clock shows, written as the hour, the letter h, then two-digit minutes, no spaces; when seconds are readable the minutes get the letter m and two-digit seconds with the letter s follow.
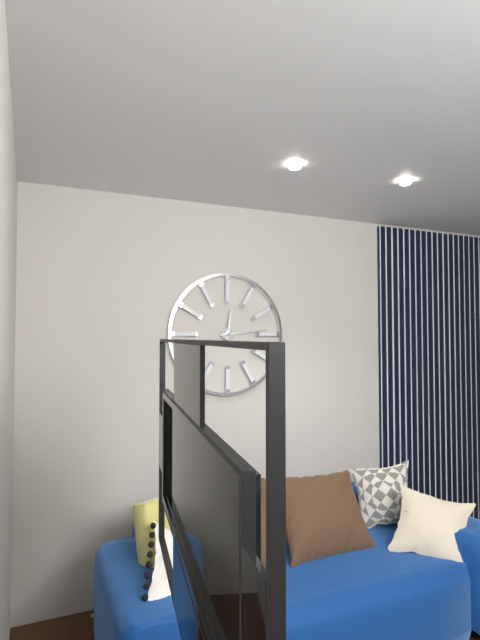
12h14
